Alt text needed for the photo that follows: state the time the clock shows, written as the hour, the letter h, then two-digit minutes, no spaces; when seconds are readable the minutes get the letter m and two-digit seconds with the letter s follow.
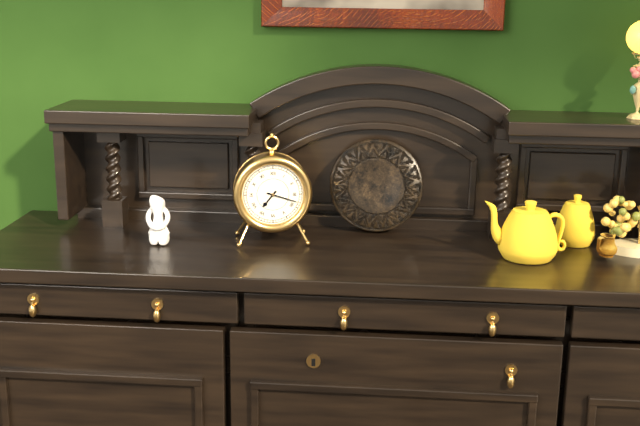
7h18
